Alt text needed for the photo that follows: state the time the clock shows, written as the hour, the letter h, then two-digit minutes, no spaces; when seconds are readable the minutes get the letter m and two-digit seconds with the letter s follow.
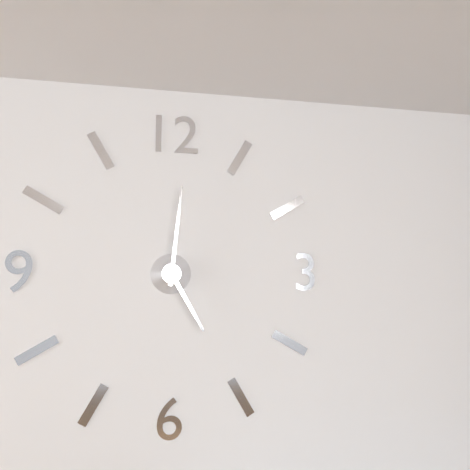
5h01
